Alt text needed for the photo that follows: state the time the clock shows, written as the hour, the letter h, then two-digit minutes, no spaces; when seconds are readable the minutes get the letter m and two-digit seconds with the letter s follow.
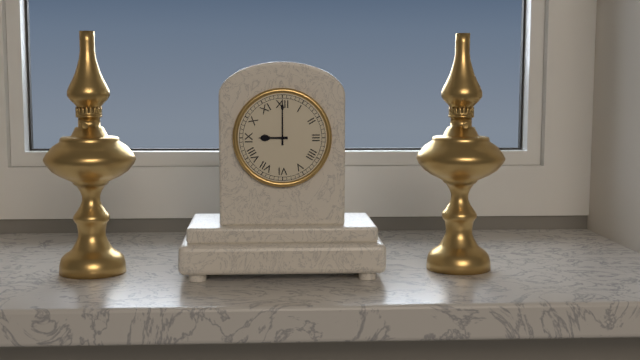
9h00
